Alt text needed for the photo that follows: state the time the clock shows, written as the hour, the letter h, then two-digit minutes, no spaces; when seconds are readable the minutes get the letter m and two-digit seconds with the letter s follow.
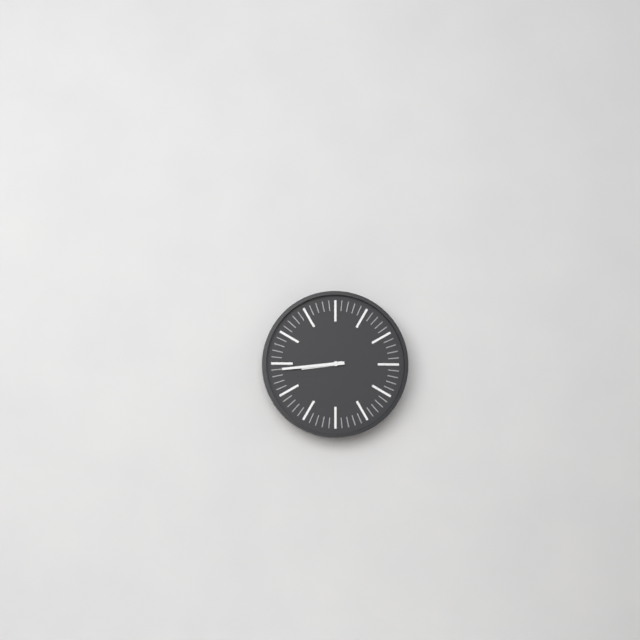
8h44
